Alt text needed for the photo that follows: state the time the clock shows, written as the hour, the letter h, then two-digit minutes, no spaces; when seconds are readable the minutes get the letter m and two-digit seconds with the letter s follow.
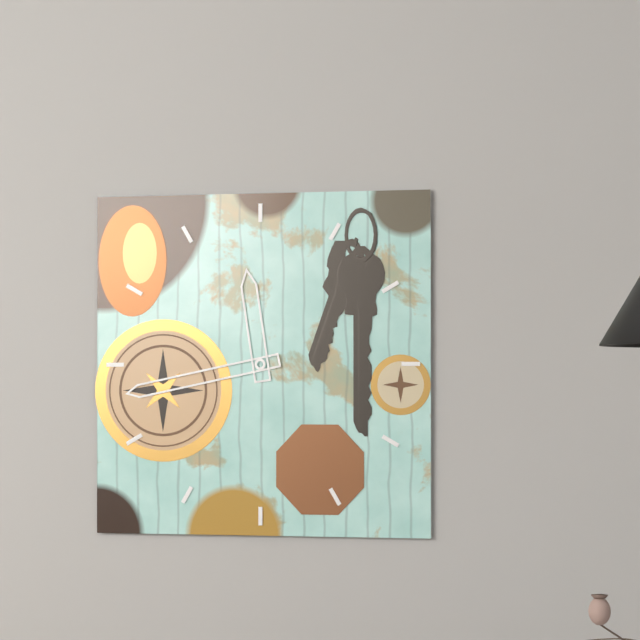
11h43
